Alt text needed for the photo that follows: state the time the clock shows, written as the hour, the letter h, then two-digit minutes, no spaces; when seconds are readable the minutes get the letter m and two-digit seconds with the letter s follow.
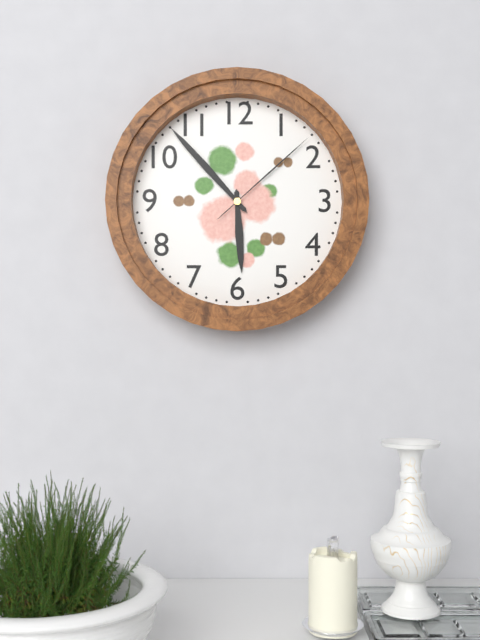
5h53m08s
